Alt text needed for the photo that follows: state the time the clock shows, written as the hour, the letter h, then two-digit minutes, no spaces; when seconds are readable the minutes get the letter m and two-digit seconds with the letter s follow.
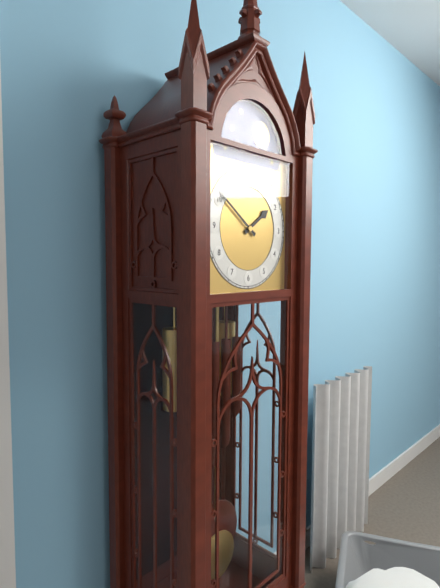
1h51
